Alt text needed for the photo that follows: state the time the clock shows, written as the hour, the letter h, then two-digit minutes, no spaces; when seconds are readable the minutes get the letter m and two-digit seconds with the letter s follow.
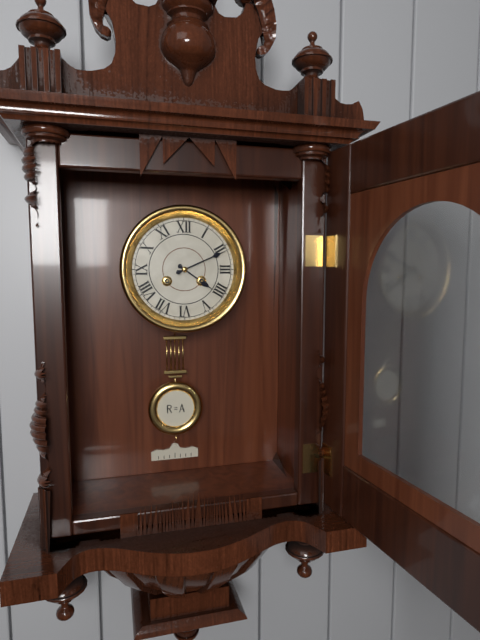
4h11
